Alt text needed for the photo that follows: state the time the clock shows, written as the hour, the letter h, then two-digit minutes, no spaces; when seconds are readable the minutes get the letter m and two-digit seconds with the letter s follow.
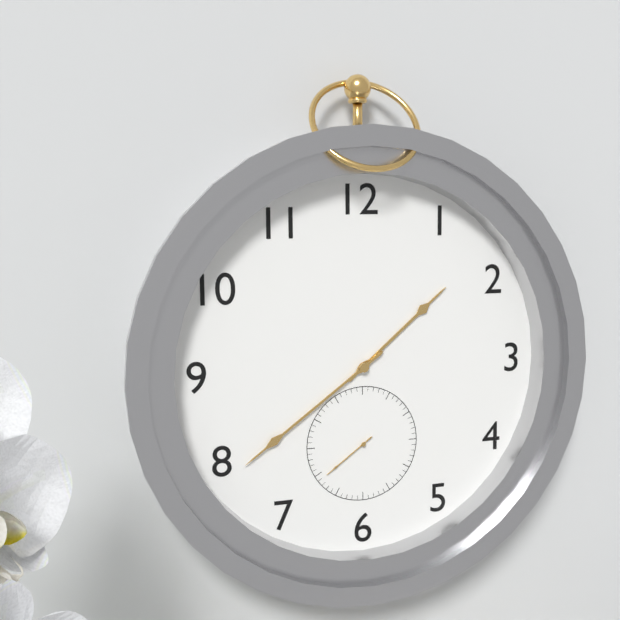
1h39m39s
